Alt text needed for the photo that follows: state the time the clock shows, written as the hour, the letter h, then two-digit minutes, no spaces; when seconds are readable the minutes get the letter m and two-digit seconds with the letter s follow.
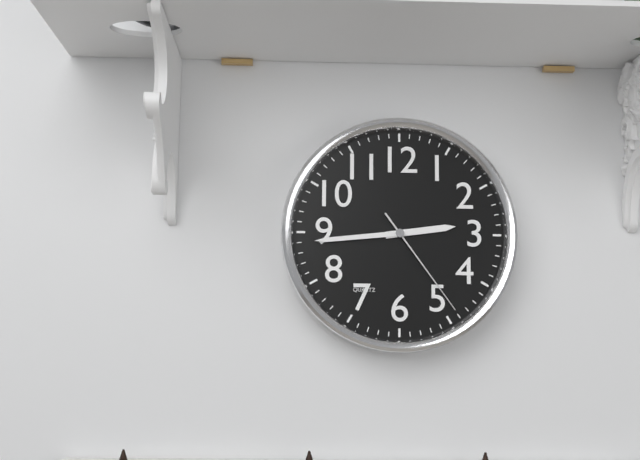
2h44m24s
